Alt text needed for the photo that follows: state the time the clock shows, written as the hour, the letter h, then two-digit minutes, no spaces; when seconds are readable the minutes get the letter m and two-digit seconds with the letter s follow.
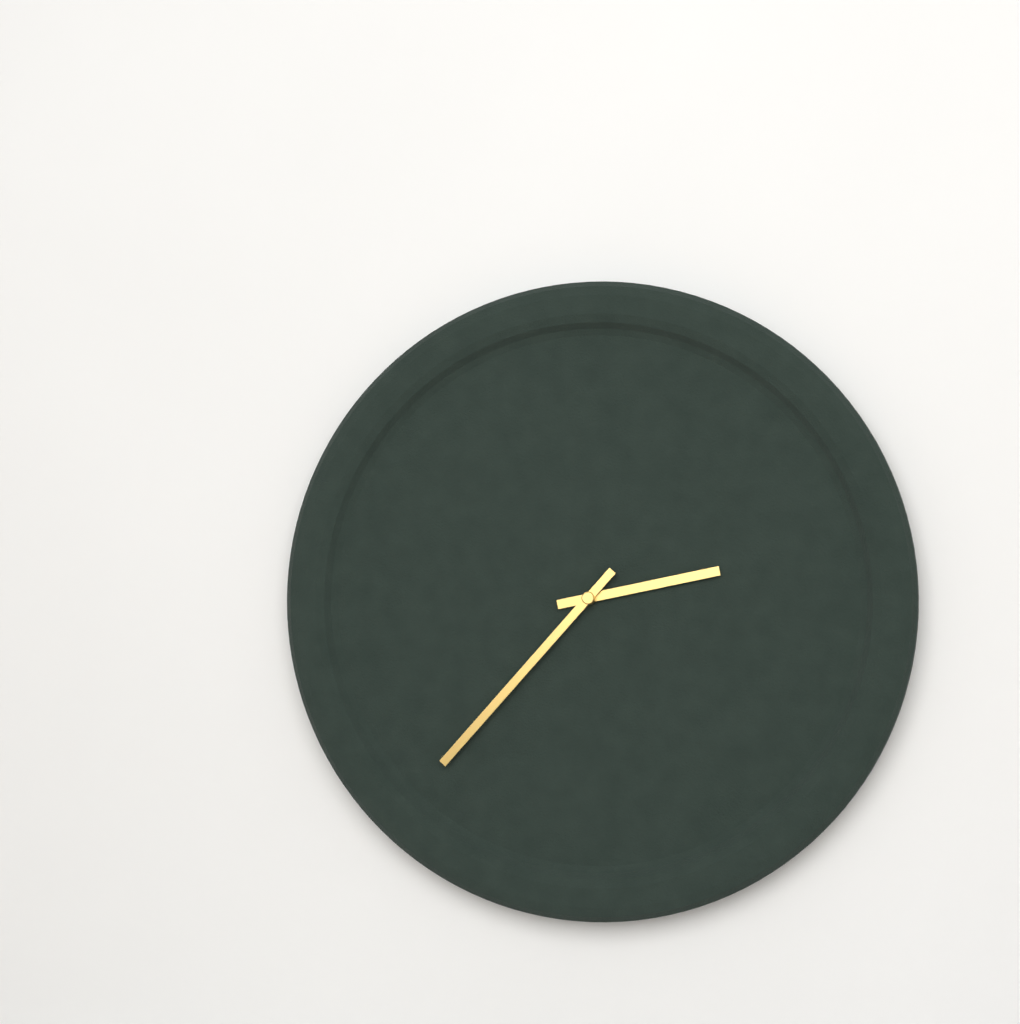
2h37
